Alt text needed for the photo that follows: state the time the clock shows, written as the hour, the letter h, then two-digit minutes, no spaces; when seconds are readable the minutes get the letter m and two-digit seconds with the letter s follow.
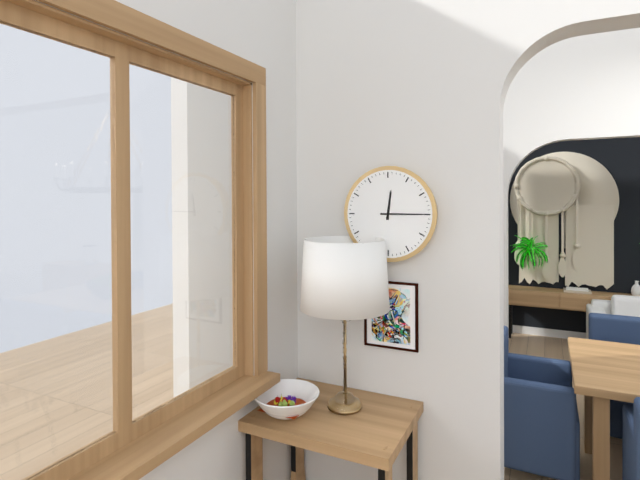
12h15
